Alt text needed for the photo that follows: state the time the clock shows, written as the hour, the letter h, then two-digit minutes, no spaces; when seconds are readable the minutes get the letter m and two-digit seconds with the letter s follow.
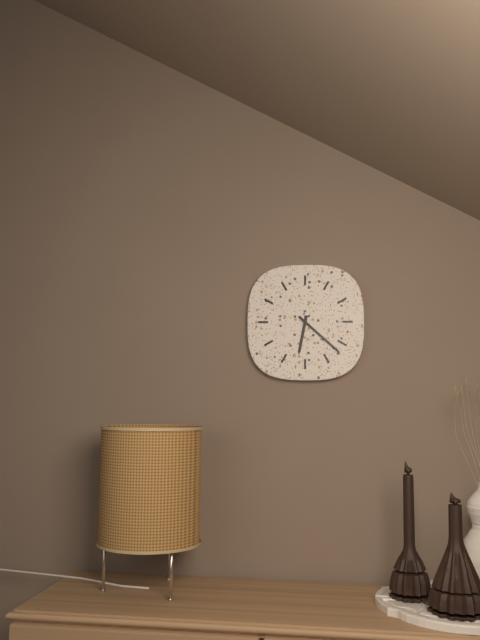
6h22
